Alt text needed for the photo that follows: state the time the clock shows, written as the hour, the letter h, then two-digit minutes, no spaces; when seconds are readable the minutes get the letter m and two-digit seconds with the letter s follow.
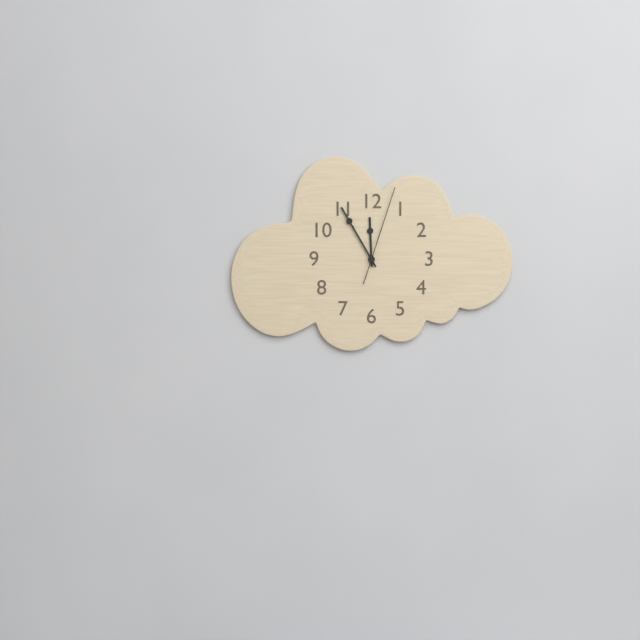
11h55m03s
